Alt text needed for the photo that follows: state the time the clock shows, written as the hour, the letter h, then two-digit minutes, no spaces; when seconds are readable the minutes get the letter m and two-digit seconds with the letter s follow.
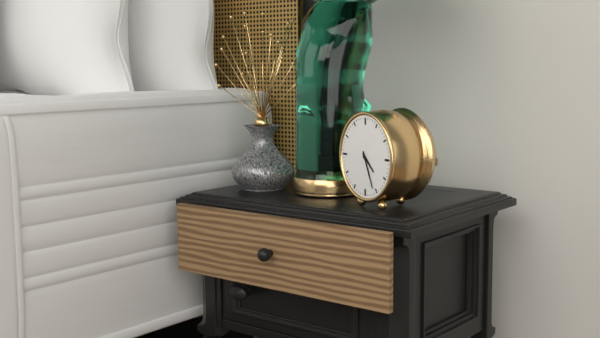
4h26
